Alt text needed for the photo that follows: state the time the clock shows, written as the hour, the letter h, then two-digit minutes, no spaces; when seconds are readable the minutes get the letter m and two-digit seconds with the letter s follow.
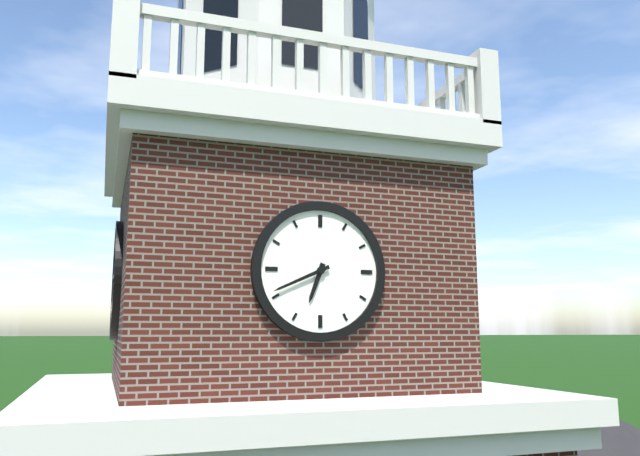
6h41
